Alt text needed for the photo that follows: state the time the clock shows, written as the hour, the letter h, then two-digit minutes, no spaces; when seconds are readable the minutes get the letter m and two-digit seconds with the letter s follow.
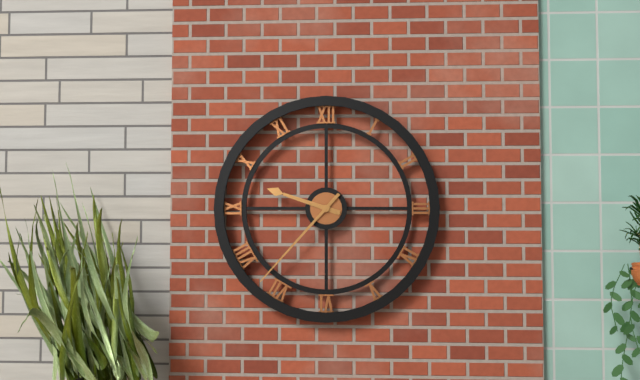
9h37
